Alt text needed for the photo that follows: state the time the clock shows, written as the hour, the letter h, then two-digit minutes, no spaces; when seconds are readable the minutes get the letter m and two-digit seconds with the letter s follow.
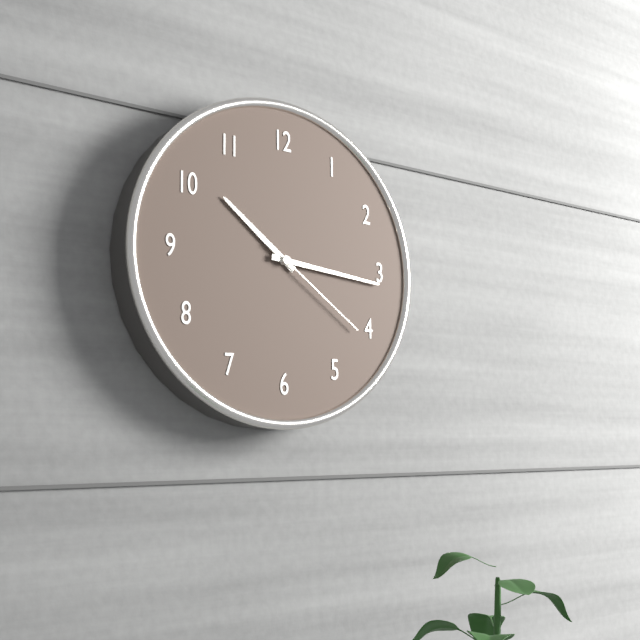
10h16m21s
